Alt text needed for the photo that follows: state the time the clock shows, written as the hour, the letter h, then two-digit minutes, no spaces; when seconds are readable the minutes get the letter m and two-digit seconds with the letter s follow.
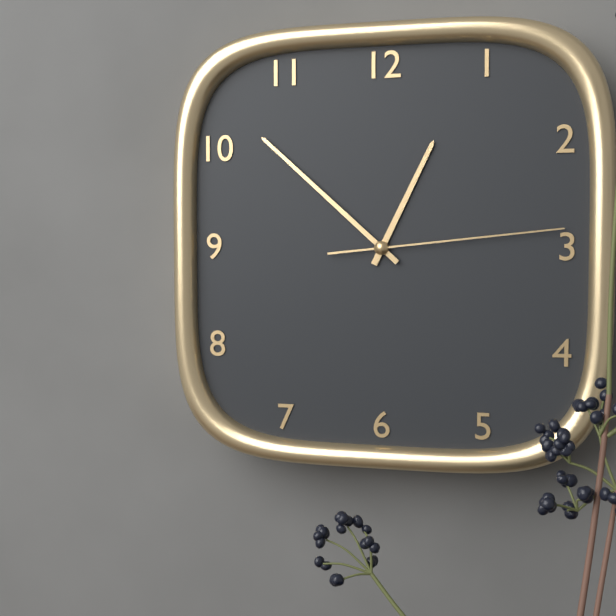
12h52m14s
